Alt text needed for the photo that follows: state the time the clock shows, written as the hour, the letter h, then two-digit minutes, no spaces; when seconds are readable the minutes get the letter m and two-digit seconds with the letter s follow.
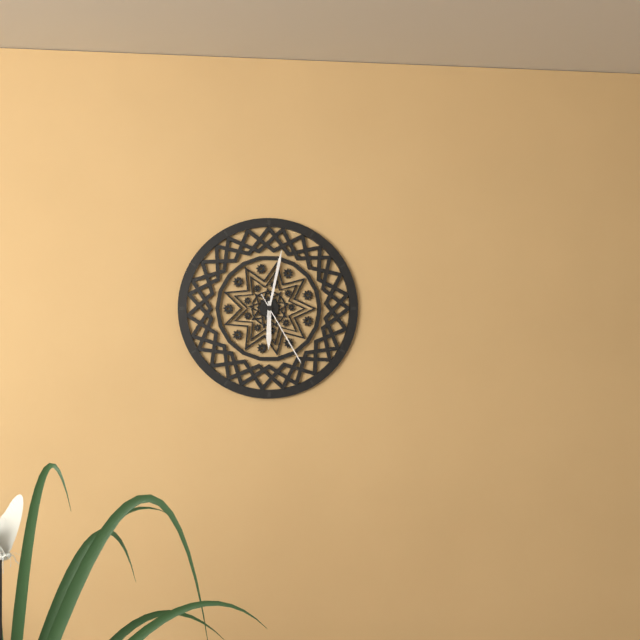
6h02m25s
